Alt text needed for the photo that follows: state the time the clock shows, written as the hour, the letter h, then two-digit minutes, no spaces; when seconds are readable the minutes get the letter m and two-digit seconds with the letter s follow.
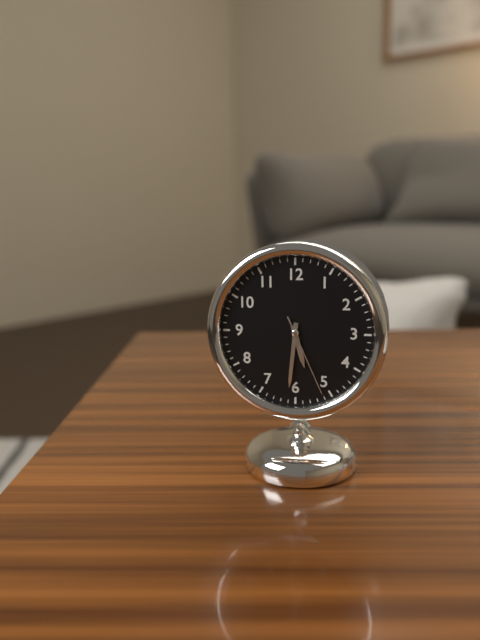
5h31m26s
